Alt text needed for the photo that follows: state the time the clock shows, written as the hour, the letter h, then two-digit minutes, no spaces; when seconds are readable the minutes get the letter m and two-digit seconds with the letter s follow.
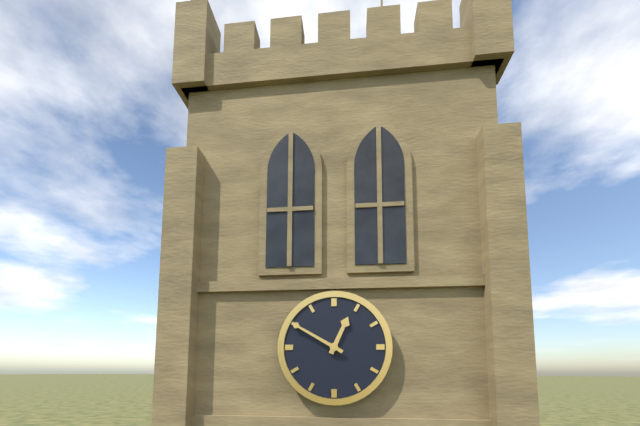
12h50
